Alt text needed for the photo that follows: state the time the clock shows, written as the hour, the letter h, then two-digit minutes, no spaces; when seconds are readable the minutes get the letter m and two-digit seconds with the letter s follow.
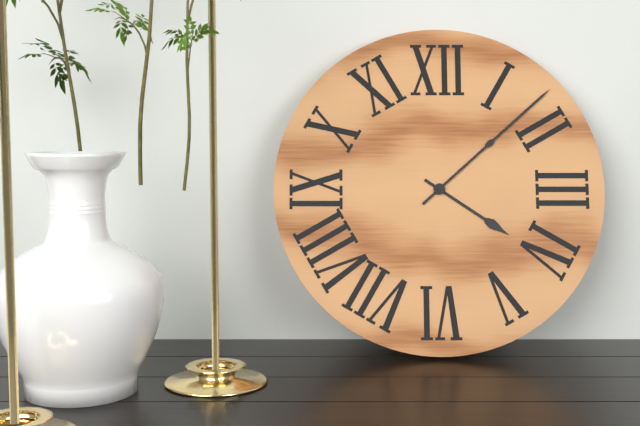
4h08
